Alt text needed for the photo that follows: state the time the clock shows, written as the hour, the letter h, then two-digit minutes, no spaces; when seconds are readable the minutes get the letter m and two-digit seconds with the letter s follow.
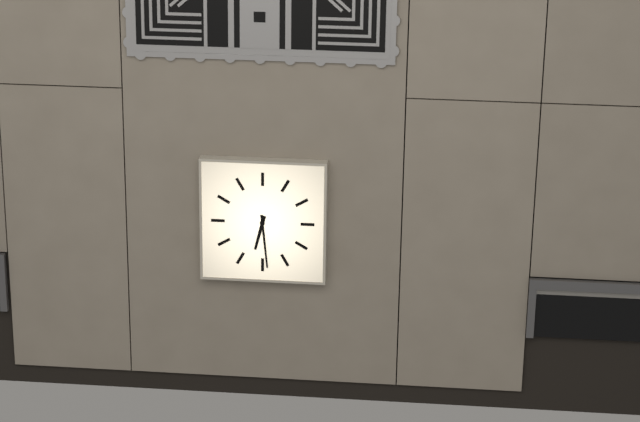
6h29
